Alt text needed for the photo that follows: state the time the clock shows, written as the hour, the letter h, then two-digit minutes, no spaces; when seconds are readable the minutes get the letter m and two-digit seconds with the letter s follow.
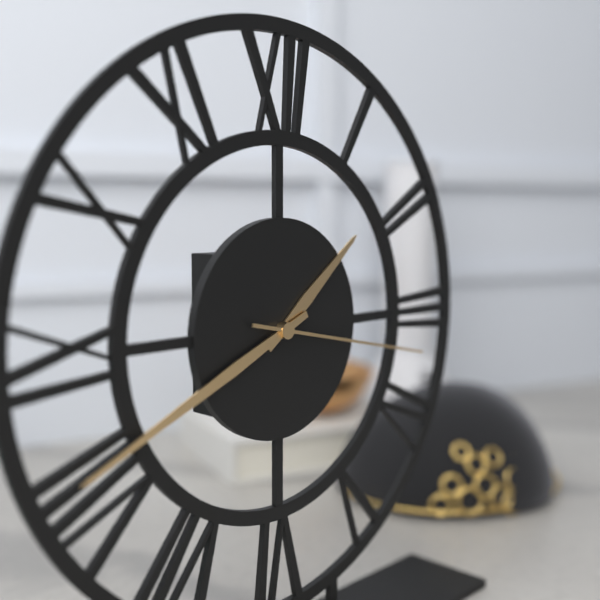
1h41m17s
